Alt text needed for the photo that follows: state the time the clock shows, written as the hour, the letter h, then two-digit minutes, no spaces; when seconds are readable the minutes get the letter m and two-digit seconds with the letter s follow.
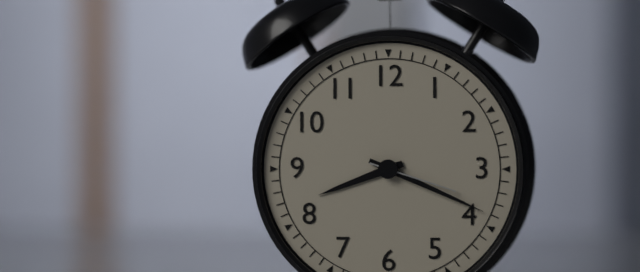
8h19m18s
